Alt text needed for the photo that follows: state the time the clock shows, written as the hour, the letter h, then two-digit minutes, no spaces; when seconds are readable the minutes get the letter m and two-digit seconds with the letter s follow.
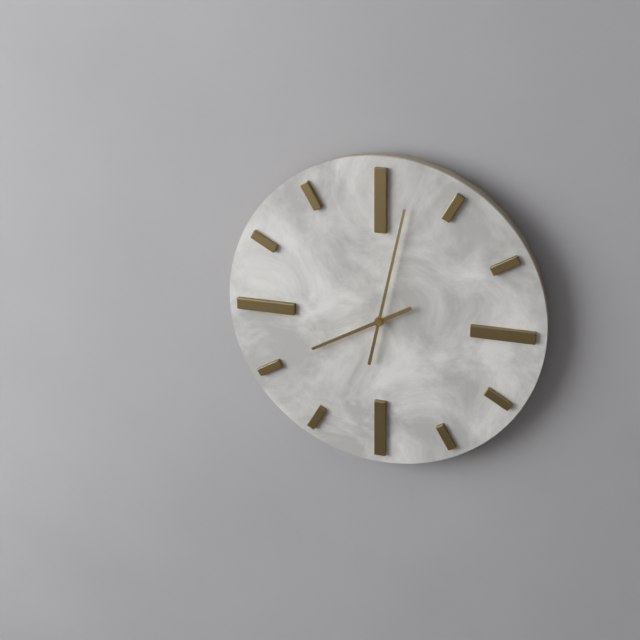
8h02
